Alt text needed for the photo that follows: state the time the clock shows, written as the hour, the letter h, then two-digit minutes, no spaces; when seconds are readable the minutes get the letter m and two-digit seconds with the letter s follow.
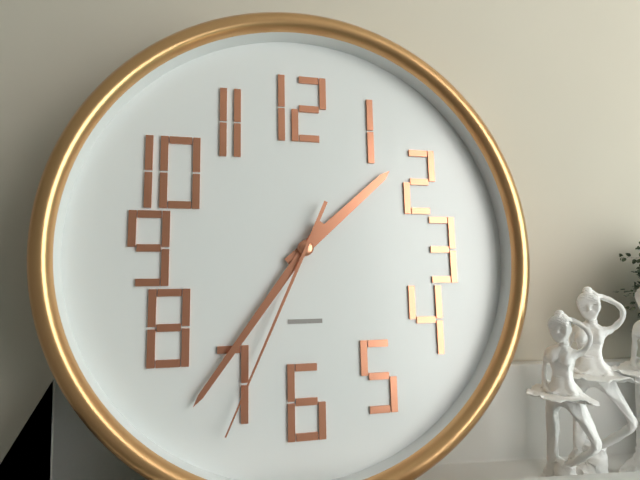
1h36m34s
